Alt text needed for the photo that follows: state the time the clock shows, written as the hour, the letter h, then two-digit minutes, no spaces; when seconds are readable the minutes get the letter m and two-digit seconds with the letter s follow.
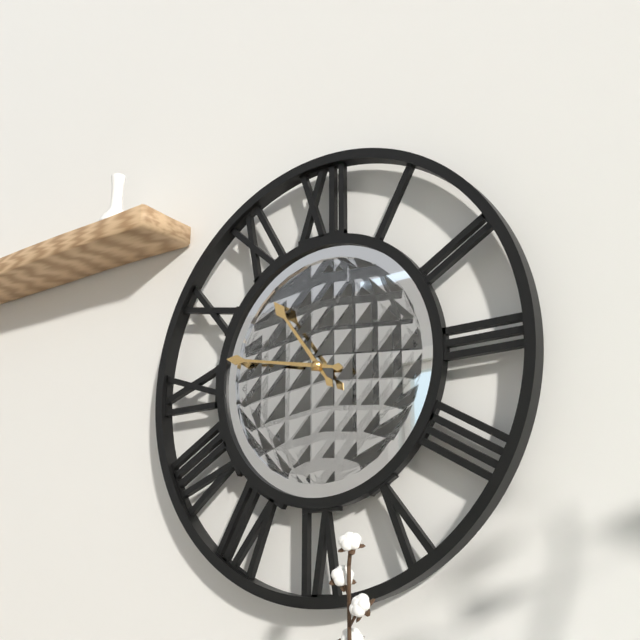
10h47
